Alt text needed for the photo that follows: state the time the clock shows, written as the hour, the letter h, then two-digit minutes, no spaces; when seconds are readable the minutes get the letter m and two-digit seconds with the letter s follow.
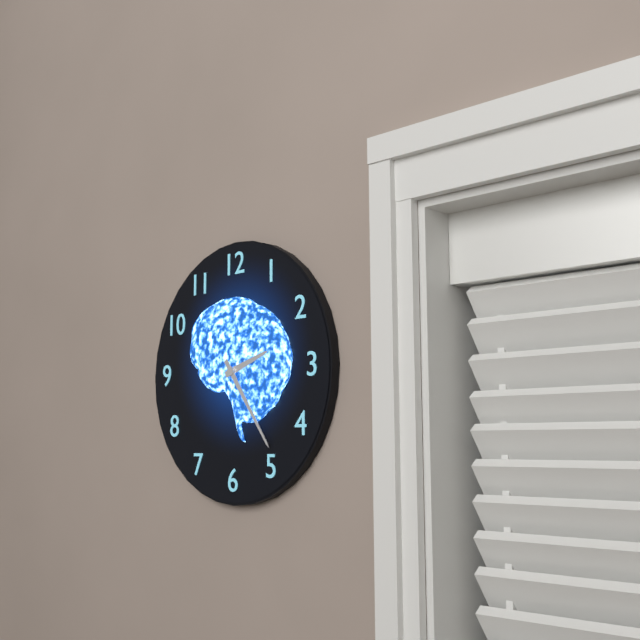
2h24
